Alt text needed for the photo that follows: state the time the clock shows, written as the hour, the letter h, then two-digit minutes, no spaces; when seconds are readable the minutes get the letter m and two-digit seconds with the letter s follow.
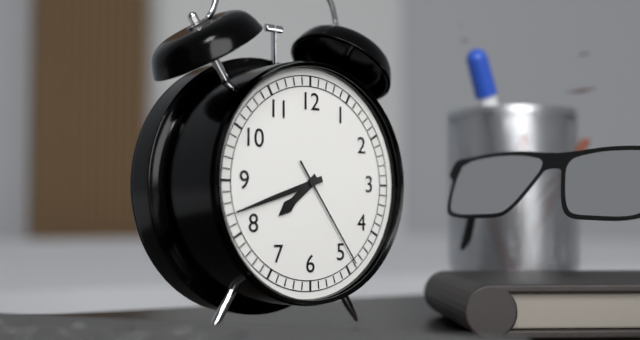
7h42m24s
